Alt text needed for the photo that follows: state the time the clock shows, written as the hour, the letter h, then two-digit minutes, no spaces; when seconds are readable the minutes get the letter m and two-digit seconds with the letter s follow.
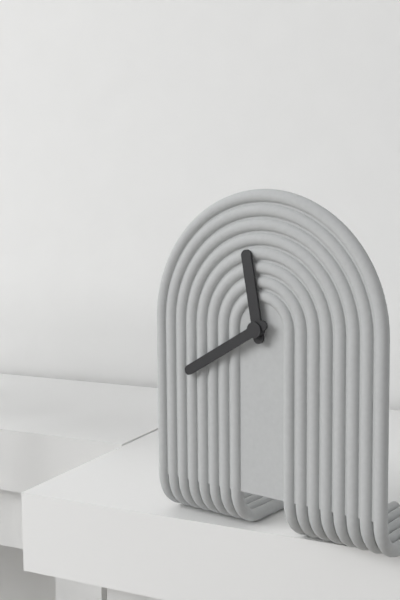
11h40
